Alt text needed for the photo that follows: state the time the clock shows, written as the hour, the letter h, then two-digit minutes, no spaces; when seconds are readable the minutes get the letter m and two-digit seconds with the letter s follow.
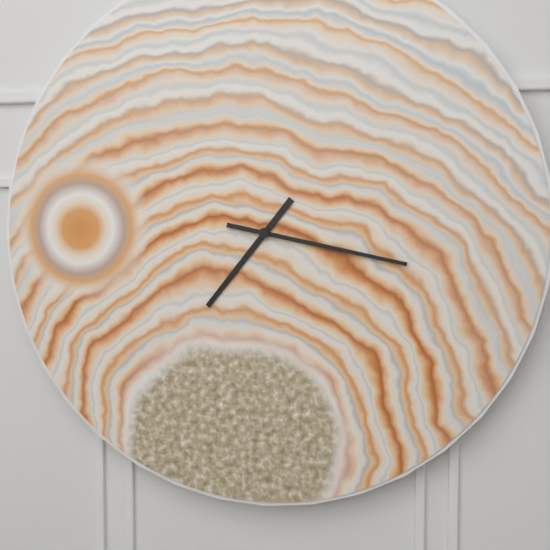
7h17
